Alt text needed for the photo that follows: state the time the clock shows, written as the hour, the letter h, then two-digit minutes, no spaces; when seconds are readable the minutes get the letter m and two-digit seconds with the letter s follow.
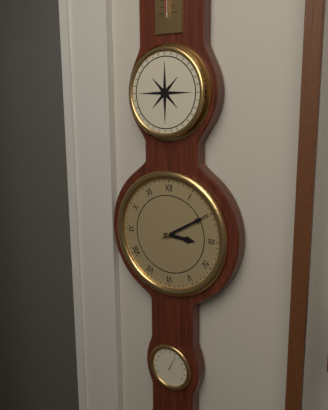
3h10
